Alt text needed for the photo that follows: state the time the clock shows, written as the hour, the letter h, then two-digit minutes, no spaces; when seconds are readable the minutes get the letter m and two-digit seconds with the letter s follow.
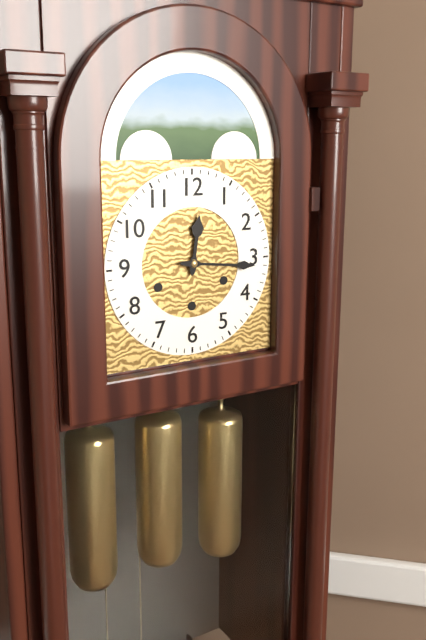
12h16
